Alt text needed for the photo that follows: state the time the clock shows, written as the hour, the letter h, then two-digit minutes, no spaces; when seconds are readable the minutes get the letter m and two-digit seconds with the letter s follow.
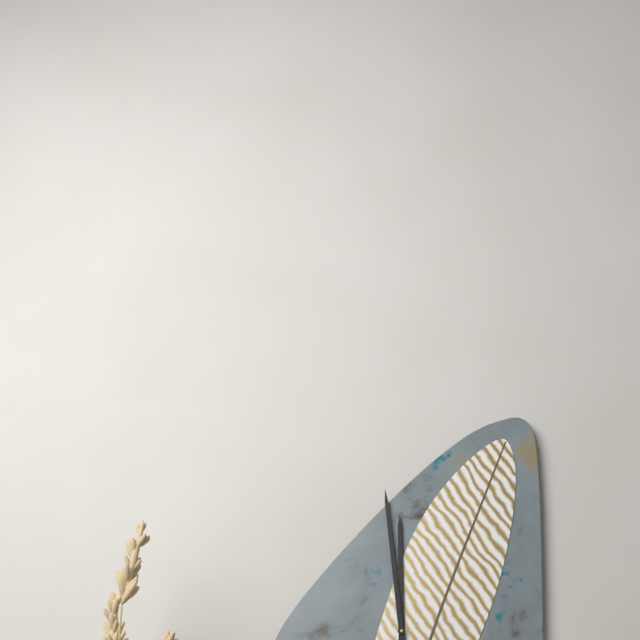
11h59
